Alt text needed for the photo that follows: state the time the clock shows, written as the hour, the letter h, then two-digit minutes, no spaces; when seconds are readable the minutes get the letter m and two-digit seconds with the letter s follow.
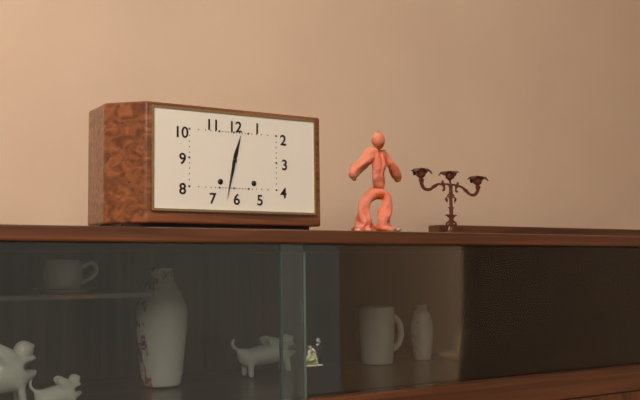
12h32
